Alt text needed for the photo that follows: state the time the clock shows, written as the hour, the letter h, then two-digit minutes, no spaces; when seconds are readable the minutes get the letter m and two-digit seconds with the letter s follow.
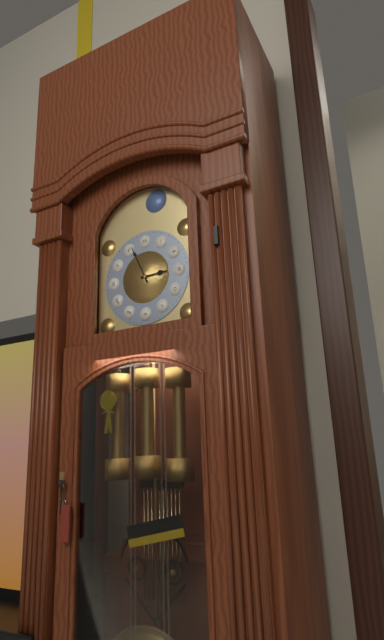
2h56
